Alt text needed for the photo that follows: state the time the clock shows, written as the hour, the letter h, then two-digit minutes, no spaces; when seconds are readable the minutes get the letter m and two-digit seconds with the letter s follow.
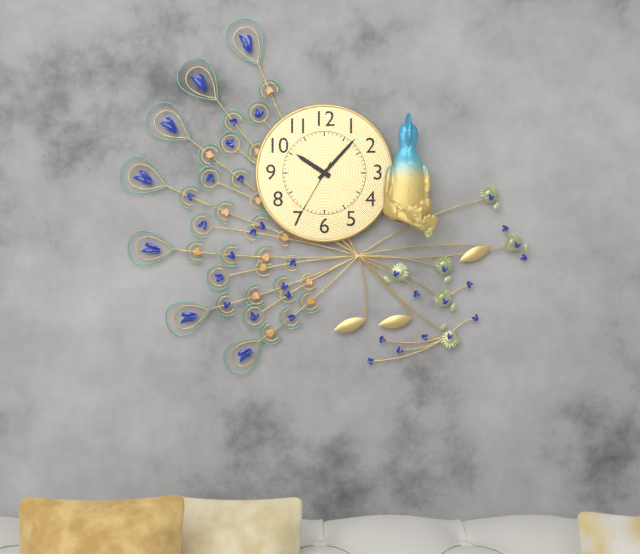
10h07m35s
